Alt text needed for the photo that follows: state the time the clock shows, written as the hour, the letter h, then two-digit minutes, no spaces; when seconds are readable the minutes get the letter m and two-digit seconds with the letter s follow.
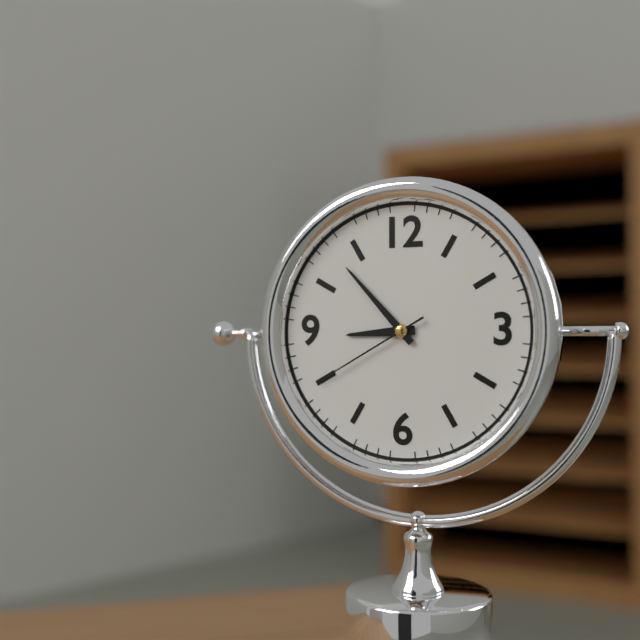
8h53m40s
